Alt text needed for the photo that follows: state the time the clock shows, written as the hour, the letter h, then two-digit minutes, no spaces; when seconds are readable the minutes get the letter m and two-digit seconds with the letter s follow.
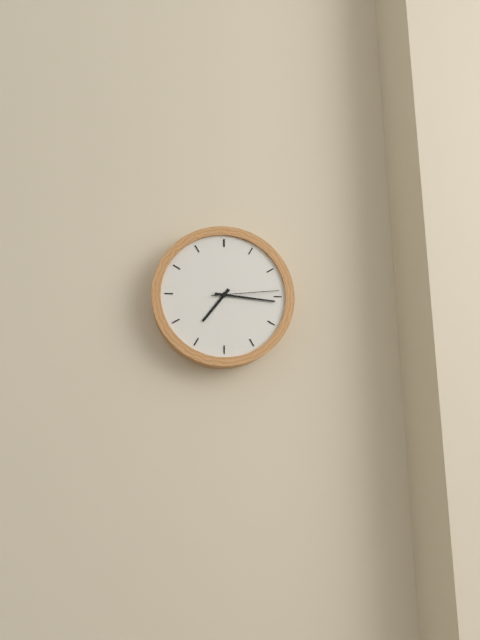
7h16m14s
